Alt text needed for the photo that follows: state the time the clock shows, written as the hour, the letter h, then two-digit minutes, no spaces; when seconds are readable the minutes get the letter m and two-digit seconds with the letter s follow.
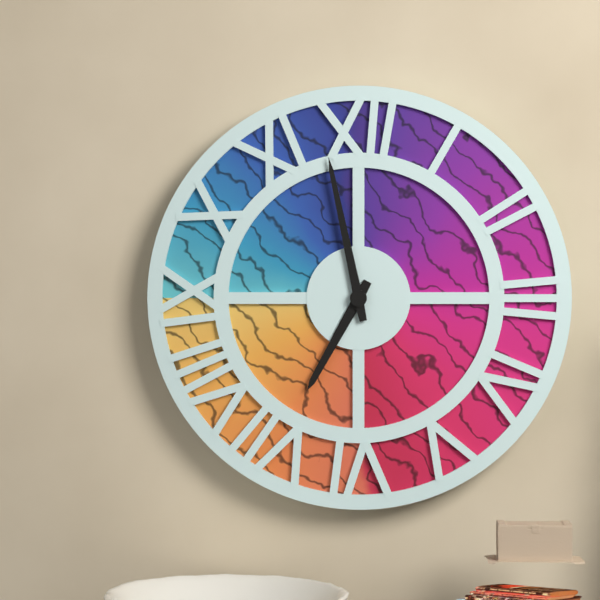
6h58
